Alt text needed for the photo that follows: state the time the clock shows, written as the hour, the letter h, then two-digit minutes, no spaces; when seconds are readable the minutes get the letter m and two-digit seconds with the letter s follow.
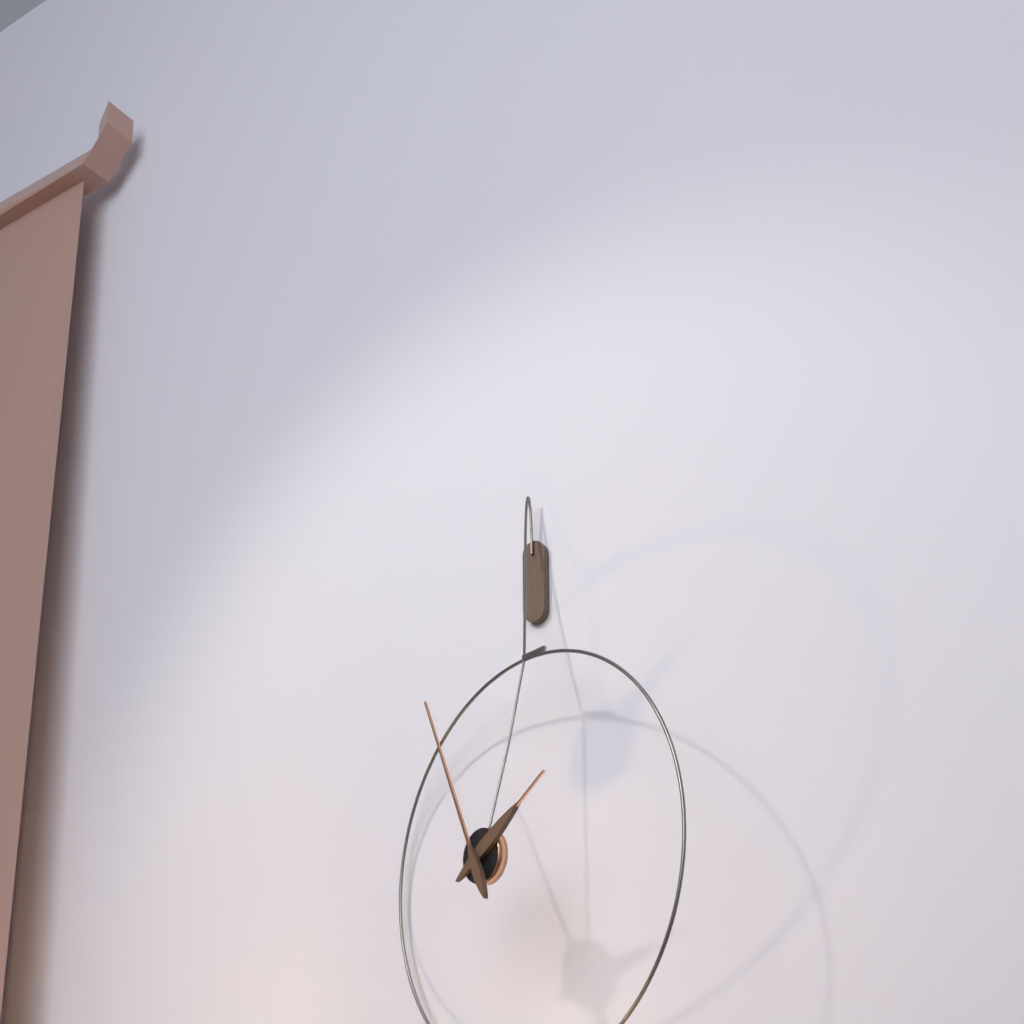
1h56
